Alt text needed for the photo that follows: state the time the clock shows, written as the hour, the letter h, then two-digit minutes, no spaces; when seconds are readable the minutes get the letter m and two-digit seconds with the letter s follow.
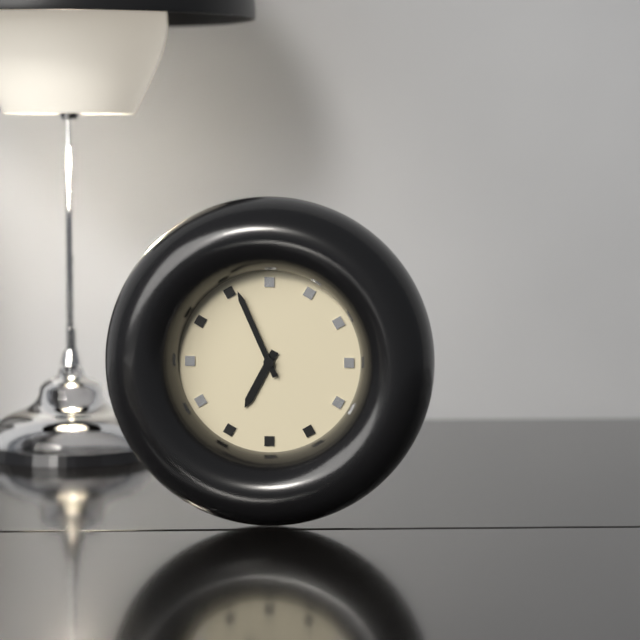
6h56
